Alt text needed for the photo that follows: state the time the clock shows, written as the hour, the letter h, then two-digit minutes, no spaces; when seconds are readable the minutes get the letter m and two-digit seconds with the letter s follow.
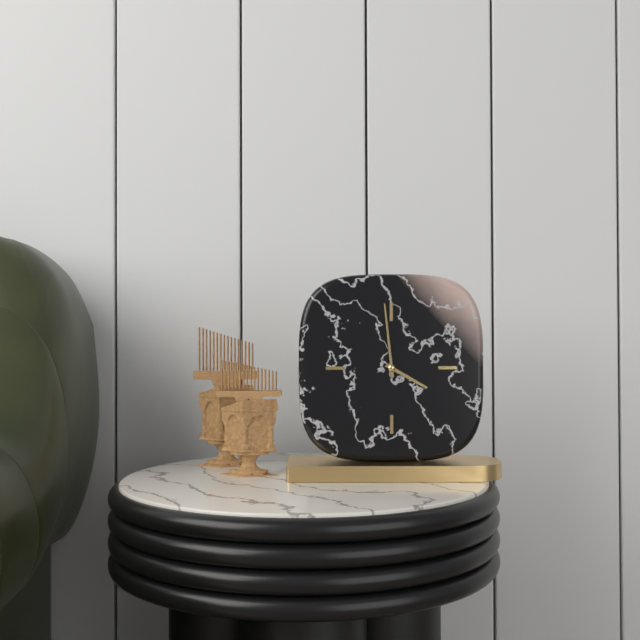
3h59
